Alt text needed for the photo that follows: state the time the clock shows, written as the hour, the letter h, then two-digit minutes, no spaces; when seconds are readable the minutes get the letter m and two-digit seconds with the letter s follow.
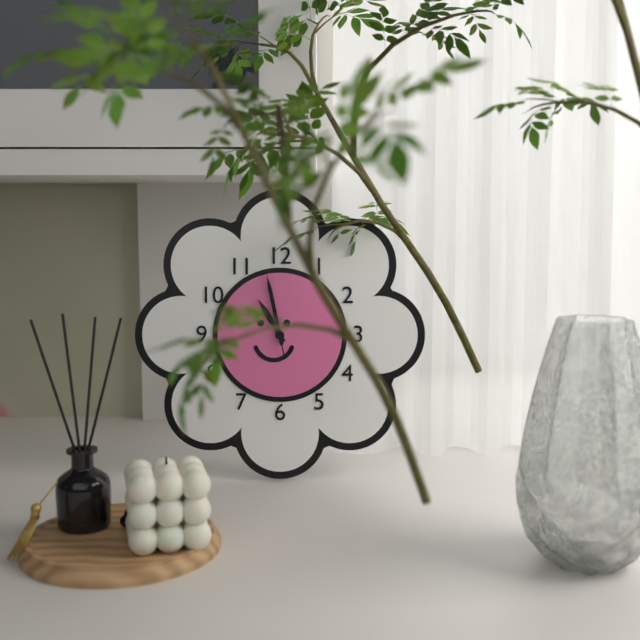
10h58m58s
